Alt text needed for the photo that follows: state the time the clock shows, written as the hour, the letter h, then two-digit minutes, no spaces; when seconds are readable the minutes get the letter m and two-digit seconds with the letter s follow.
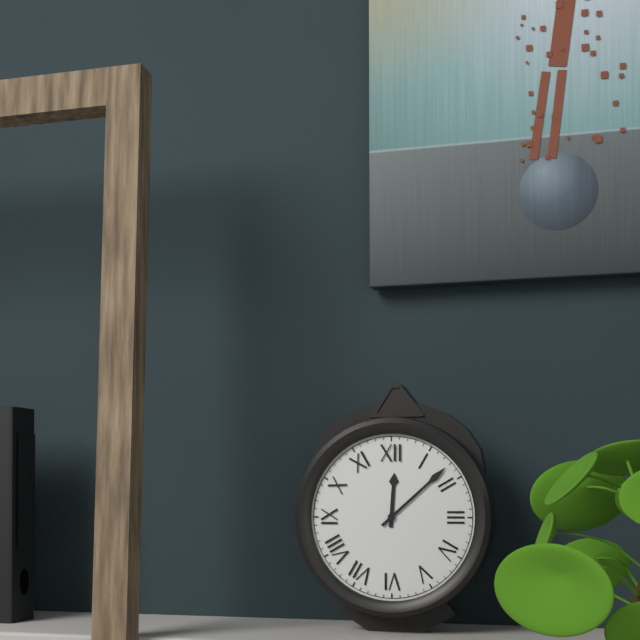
12h08
